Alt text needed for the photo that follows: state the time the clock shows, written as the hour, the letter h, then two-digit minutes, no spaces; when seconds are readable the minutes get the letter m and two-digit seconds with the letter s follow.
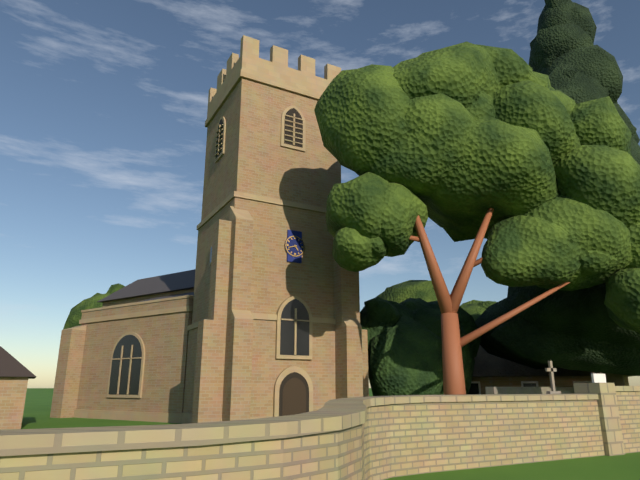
4h42
